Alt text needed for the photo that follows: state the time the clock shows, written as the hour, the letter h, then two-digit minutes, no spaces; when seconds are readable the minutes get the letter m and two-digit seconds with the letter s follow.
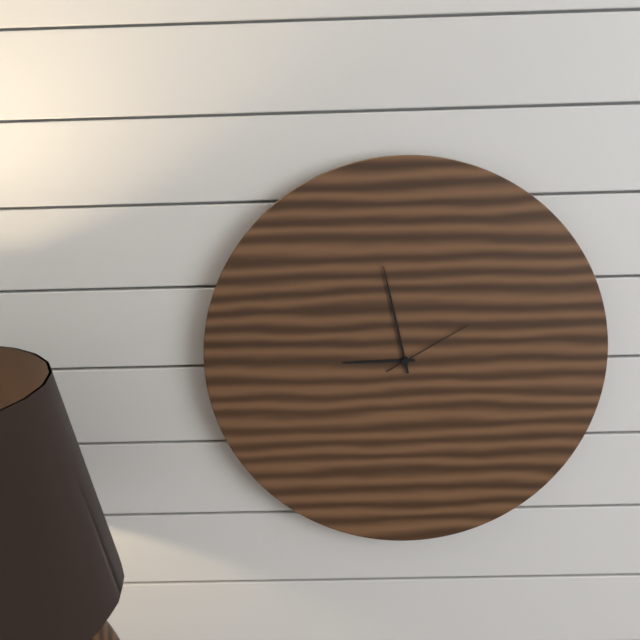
8h58m10s
